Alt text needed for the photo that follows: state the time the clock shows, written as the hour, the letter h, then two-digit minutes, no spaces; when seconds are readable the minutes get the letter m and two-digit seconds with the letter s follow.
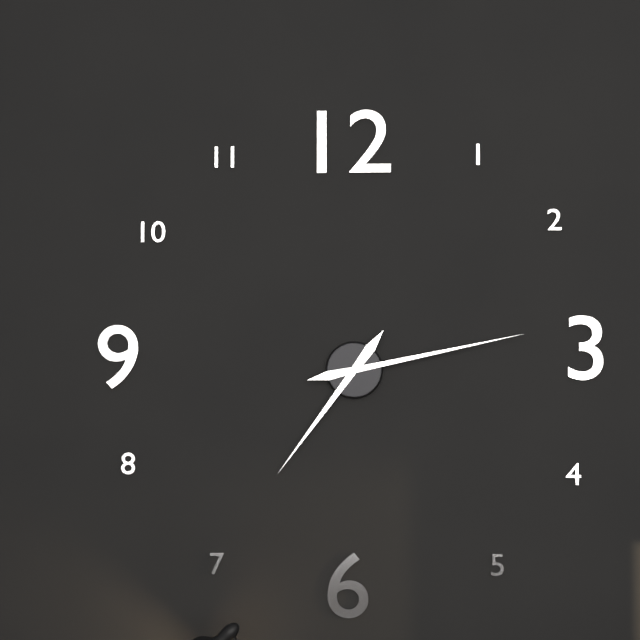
7h13
